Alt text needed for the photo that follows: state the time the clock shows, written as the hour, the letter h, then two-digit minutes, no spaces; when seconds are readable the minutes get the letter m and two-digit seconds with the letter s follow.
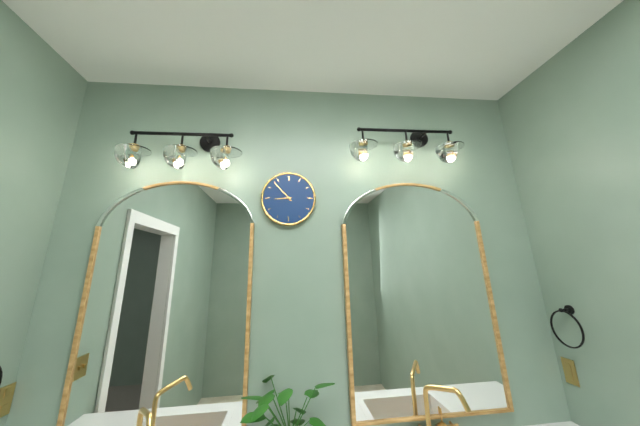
8h53
